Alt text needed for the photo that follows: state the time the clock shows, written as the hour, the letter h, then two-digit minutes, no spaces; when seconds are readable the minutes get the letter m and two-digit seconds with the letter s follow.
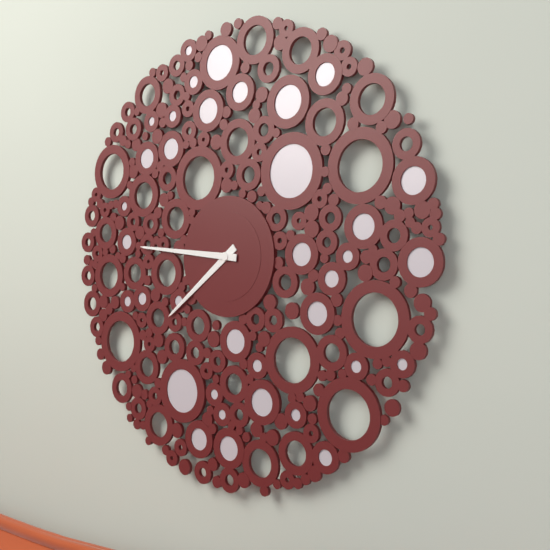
7h46
